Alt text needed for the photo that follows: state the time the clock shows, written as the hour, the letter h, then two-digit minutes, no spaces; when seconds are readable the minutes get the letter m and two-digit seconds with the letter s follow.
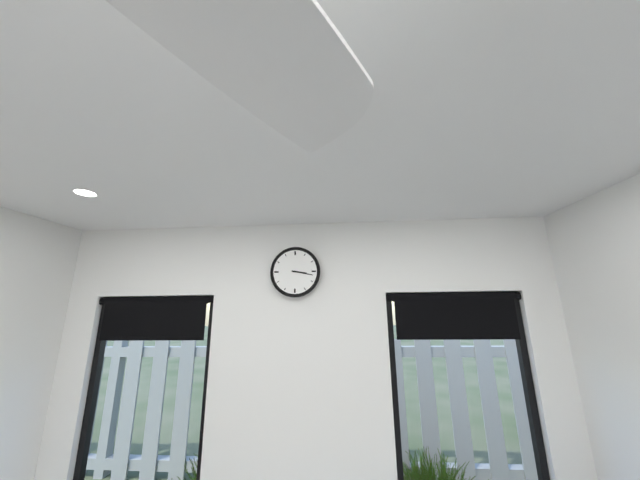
3h17
